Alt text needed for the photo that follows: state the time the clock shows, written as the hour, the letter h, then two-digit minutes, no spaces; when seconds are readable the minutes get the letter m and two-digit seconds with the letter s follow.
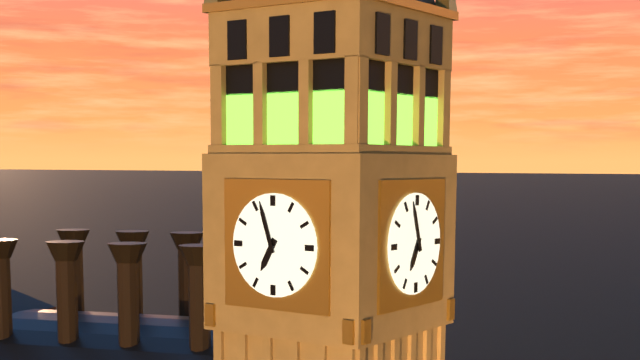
6h57
